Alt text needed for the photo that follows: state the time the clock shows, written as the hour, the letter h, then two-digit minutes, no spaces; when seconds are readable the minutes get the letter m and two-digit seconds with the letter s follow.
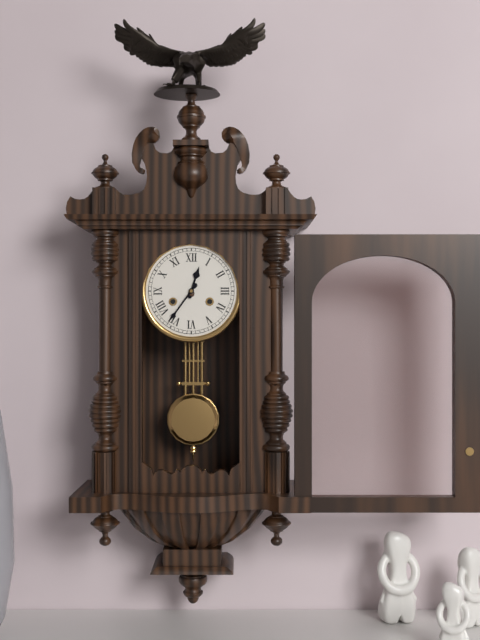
12h36
